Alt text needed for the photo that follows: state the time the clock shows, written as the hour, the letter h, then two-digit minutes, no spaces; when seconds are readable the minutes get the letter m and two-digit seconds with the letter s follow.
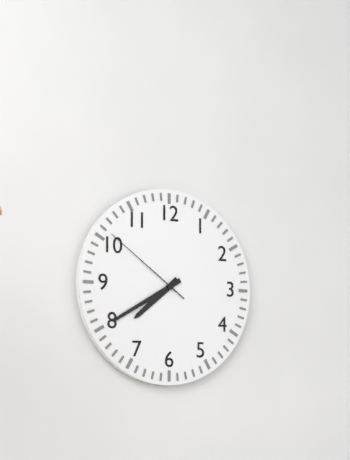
7h40m51s
